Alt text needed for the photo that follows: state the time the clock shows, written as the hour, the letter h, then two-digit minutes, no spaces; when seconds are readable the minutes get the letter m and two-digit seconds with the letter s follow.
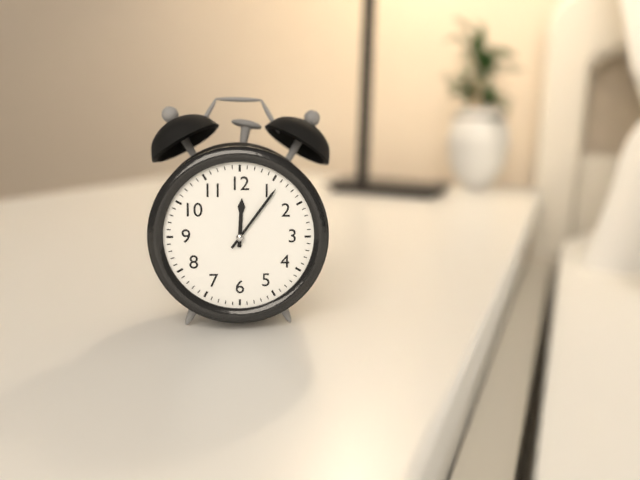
12h06
